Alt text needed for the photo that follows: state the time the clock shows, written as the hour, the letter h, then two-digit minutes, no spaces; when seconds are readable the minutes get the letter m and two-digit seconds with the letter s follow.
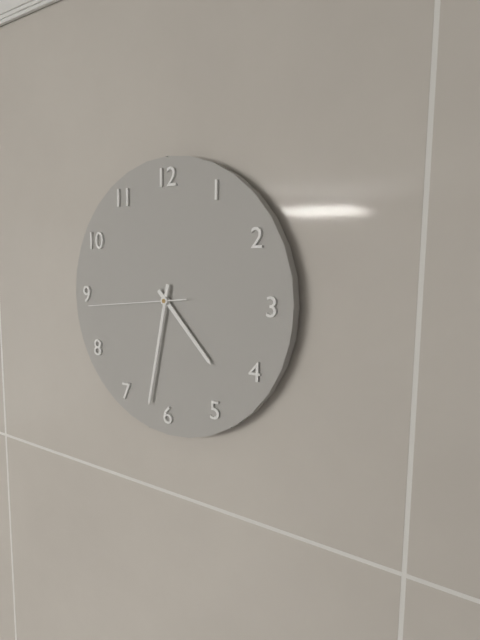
4h32m44s
